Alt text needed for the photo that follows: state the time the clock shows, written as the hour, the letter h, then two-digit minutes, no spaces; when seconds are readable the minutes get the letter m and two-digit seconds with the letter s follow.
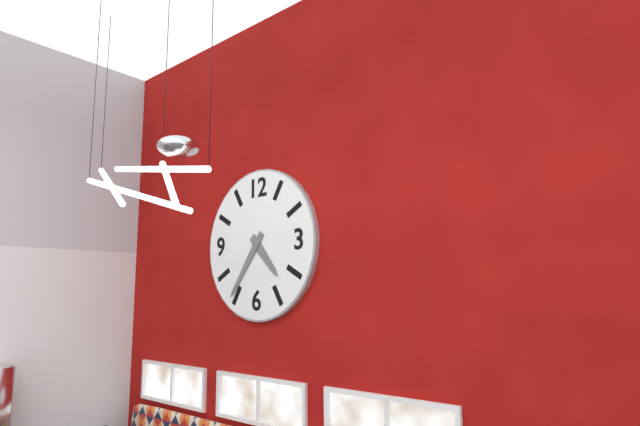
4h36
